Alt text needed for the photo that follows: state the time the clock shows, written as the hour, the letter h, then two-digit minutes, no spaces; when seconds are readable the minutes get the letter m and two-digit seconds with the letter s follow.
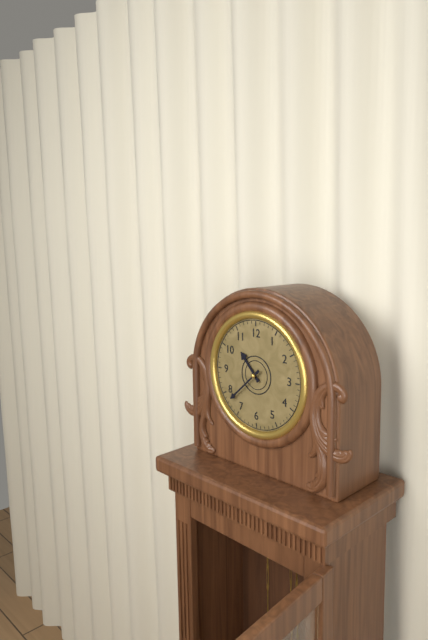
10h38
